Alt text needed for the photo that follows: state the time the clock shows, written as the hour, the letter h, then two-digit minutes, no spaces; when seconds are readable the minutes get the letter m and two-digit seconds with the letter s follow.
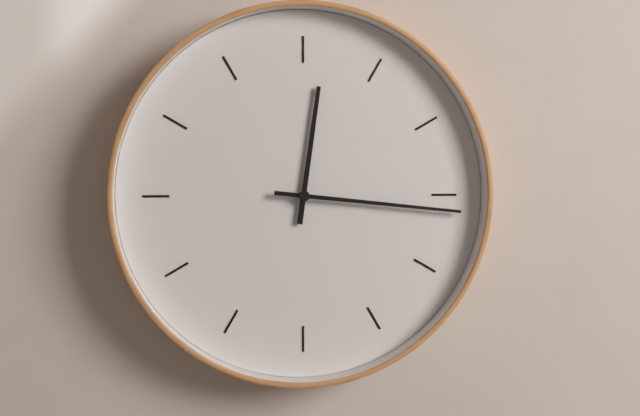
12h16
